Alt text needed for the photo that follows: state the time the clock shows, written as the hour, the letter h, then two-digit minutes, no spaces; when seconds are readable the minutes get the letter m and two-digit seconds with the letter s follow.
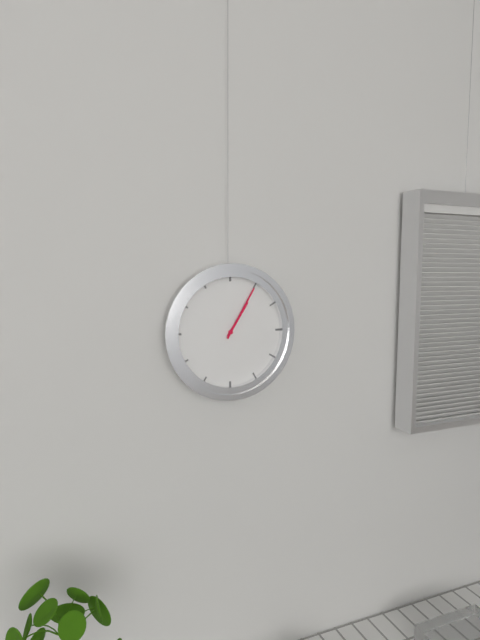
1h05
